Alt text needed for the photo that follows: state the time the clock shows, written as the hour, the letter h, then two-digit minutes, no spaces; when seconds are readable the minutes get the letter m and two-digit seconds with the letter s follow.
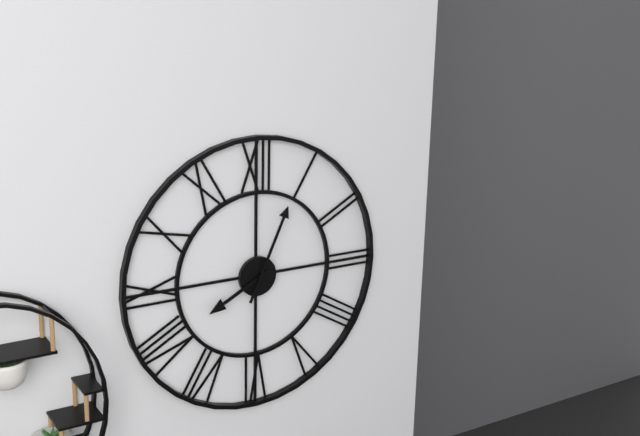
8h04
